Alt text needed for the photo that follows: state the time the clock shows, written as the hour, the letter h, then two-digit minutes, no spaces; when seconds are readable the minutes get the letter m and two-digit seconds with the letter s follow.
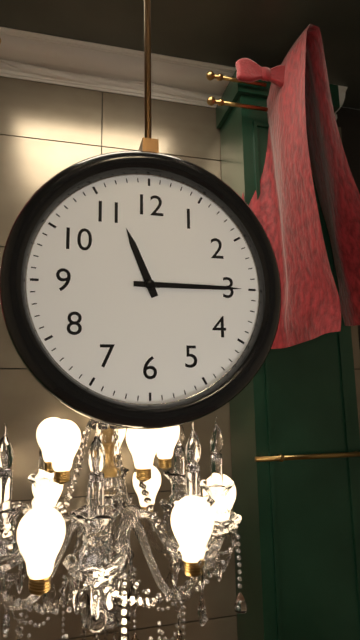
11h15
